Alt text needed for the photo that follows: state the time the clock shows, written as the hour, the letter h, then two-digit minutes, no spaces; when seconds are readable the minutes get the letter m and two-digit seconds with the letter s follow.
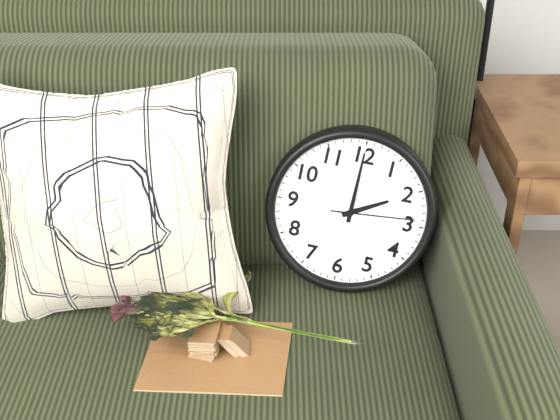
2h00m14s
